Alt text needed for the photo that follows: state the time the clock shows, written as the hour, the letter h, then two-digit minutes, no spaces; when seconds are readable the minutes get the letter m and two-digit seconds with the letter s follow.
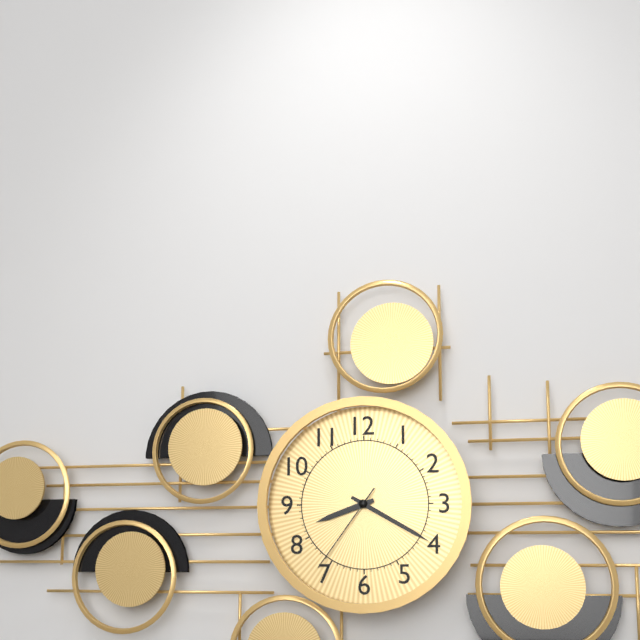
8h20m36s
